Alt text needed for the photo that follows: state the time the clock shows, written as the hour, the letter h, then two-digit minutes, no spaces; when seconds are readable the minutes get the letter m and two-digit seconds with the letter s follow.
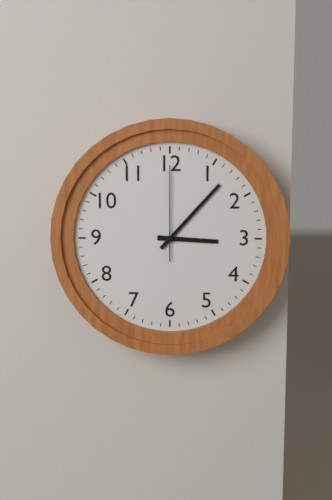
3h07m00s
